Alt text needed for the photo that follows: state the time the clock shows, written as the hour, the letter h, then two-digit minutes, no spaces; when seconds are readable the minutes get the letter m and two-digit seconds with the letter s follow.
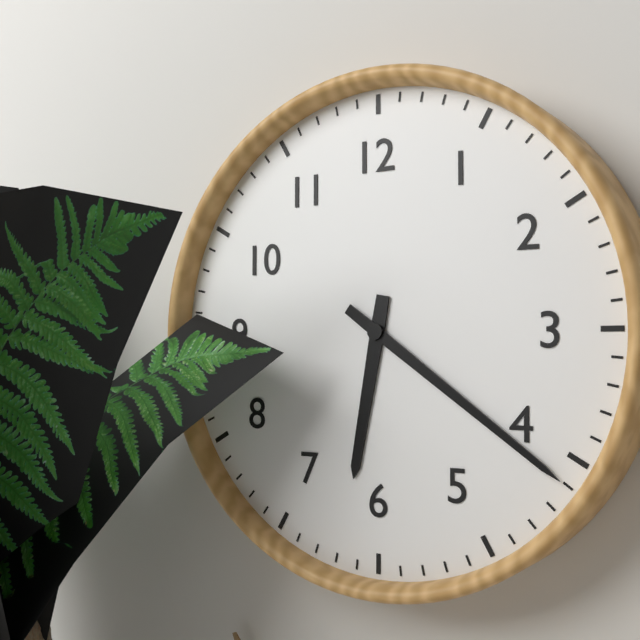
6h21
